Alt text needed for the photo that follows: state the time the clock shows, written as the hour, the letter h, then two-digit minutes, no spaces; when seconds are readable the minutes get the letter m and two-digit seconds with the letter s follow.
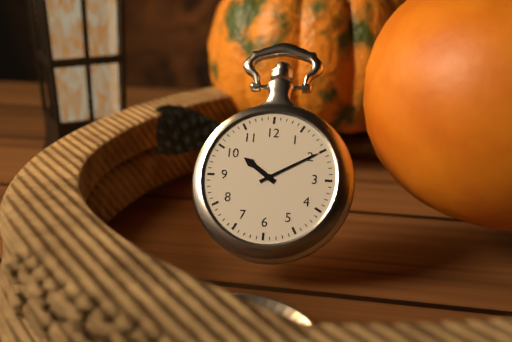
10h10
